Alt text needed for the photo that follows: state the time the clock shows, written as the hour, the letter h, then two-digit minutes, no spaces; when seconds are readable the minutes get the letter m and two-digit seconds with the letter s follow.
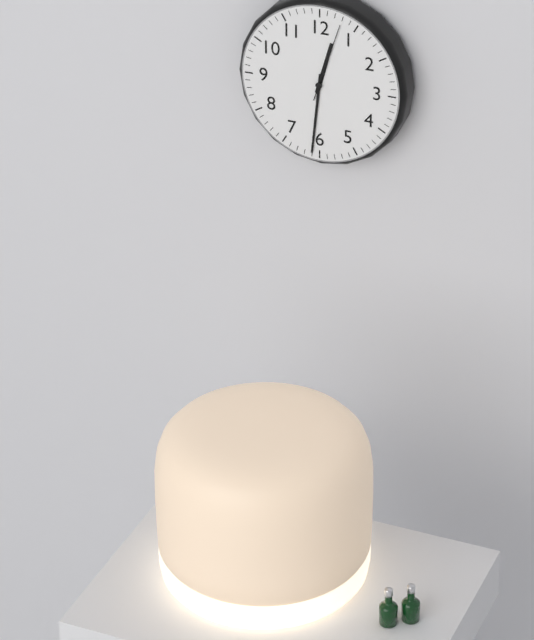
12h31m03s
